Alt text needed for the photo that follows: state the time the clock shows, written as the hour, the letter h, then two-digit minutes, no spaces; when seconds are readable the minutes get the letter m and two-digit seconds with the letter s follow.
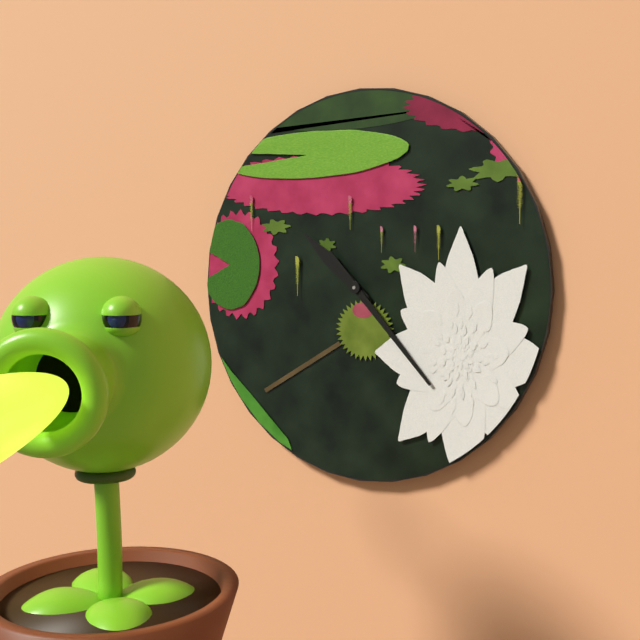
10h23
